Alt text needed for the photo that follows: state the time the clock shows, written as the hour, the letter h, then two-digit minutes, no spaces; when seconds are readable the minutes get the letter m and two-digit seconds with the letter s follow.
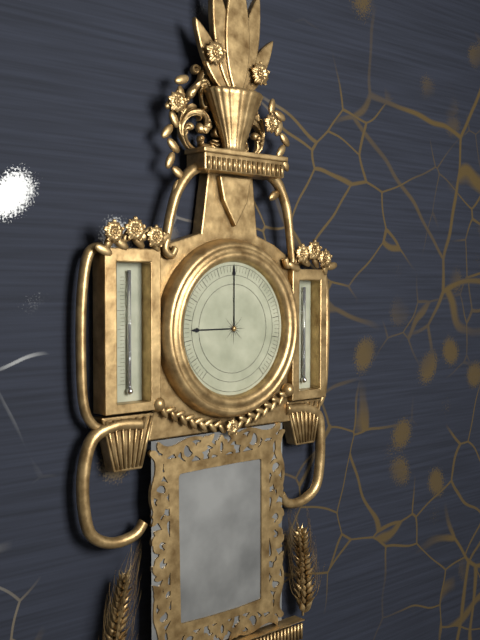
9h00
